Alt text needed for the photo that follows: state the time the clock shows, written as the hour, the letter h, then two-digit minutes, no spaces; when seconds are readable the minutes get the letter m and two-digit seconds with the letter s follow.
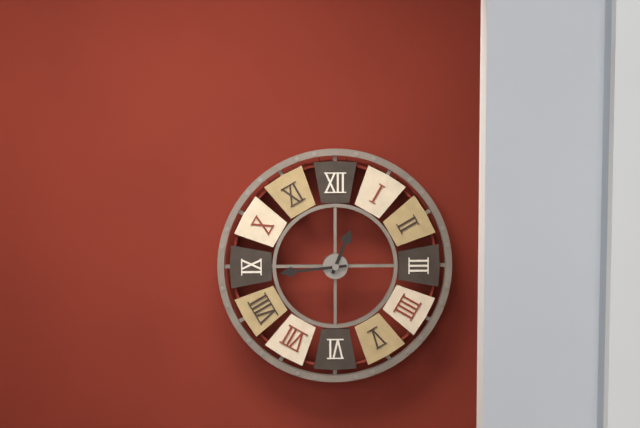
12h44
